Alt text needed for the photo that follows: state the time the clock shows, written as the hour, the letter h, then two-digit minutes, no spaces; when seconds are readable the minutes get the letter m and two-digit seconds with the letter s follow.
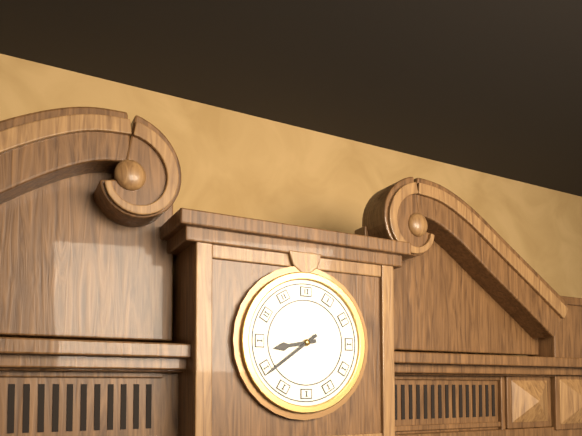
8h39
